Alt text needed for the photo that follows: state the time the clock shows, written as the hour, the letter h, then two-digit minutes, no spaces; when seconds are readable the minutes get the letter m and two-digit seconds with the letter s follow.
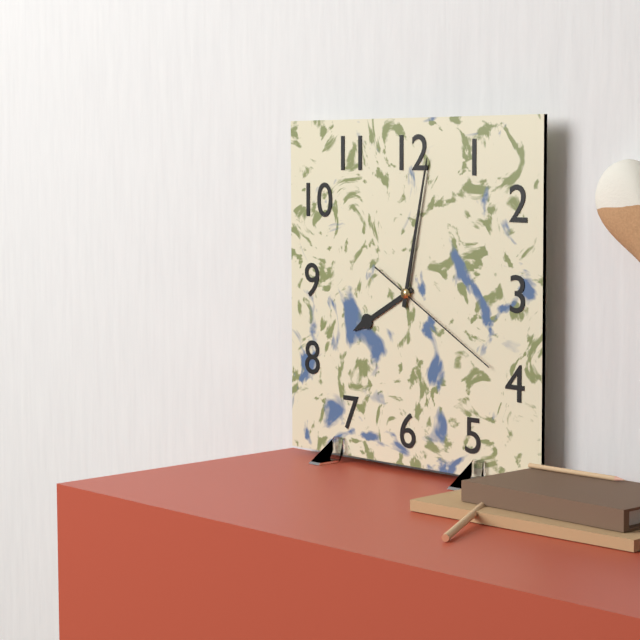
8h02m20s
